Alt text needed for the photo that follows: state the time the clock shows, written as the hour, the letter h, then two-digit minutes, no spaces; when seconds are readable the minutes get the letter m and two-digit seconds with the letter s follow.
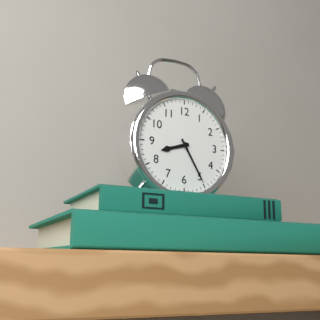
8h25
